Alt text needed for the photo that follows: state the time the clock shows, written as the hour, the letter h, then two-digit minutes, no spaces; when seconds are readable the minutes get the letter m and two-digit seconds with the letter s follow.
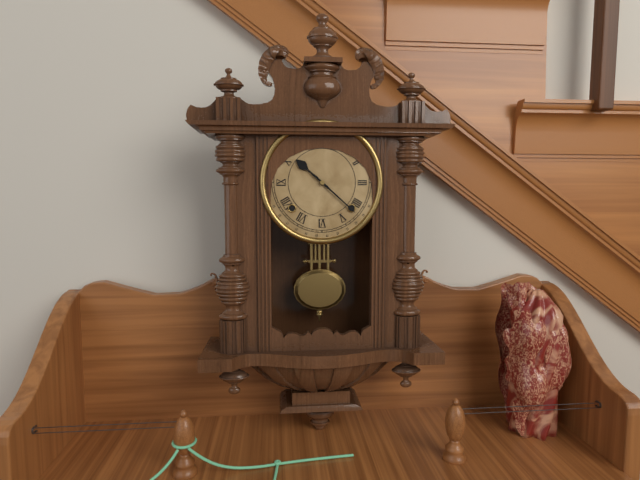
10h22
